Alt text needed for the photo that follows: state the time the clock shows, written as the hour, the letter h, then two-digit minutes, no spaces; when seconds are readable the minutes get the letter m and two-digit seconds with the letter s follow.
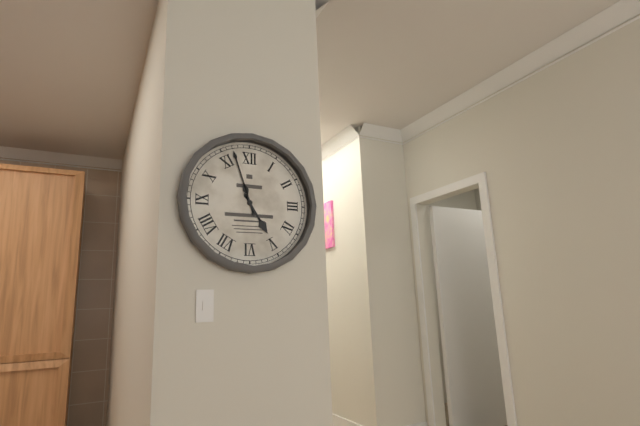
4h57
